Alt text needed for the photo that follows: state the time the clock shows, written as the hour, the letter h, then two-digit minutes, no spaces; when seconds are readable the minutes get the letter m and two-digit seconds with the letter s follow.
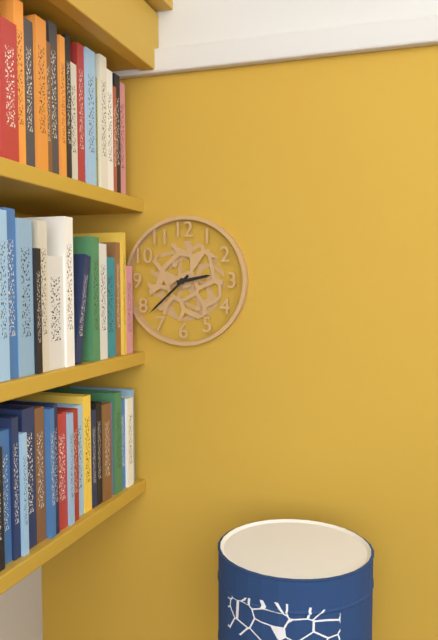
2h38
